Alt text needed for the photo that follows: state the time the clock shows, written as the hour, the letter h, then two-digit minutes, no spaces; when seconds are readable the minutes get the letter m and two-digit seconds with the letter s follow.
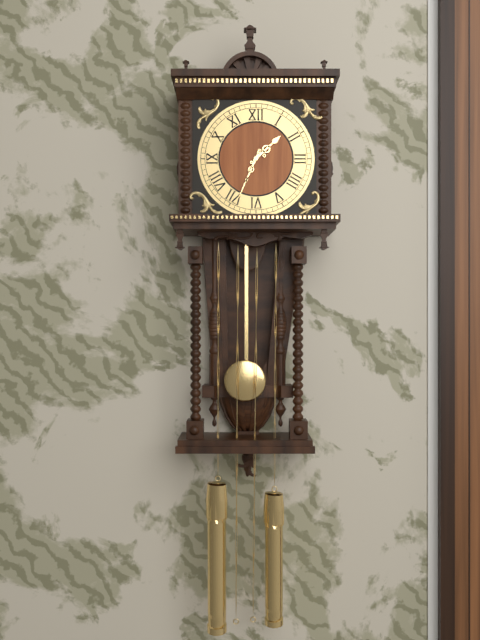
1h34
